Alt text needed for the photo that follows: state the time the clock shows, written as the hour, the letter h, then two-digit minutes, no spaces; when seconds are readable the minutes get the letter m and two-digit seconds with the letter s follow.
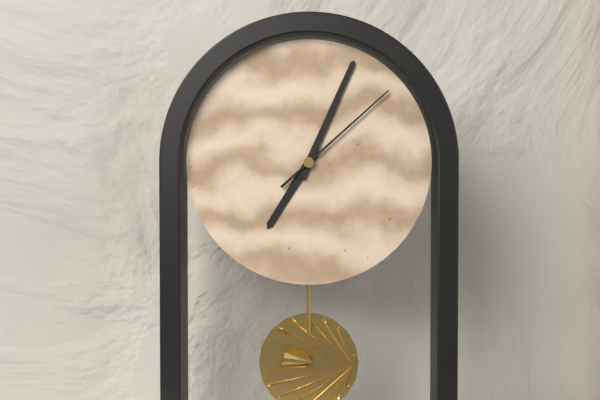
7h04m08s
